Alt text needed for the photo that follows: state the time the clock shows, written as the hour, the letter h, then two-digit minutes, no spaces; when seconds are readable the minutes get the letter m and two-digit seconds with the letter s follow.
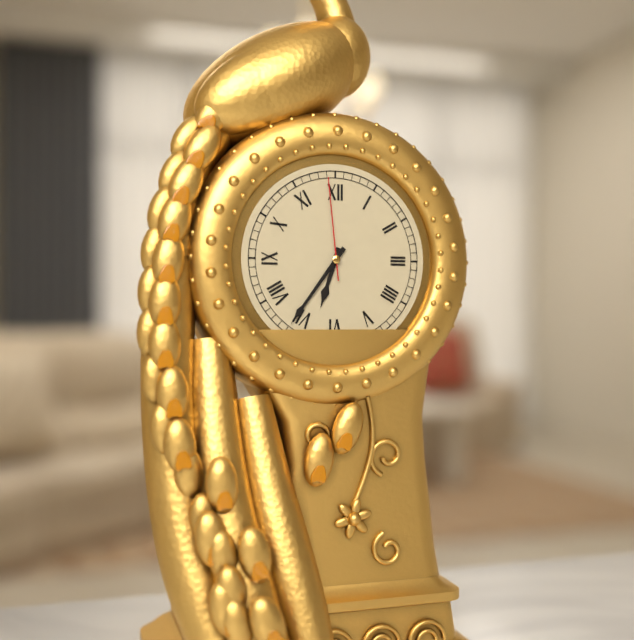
6h36m59s
